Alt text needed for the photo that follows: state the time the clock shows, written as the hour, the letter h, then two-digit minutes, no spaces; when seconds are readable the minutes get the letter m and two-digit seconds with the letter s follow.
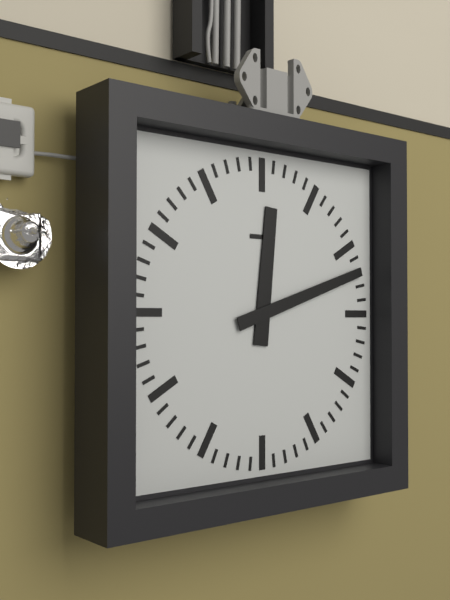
12h12
